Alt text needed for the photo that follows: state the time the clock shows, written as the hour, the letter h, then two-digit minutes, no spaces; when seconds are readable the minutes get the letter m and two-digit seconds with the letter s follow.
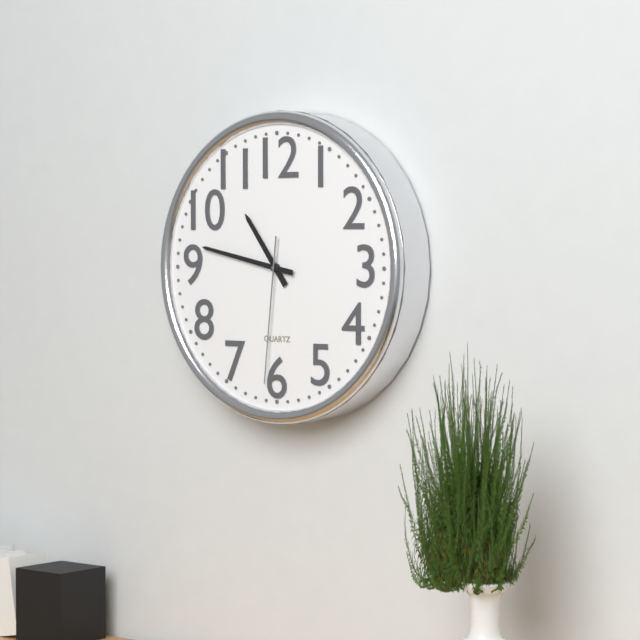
10h47m31s
